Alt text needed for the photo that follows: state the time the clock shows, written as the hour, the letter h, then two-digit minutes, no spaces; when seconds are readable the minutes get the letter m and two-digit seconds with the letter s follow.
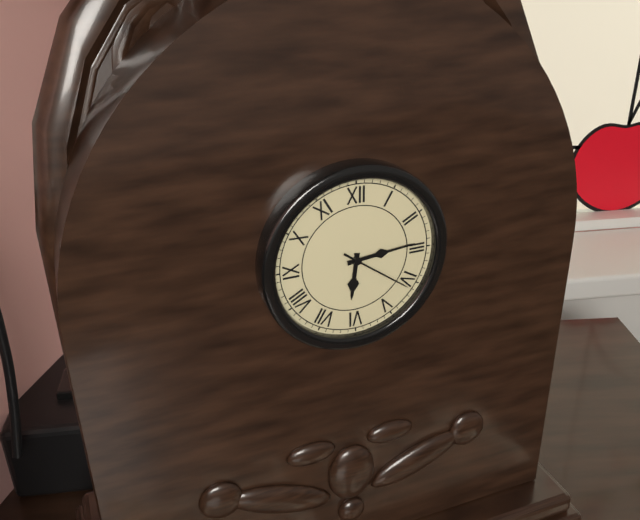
6h14m21s
